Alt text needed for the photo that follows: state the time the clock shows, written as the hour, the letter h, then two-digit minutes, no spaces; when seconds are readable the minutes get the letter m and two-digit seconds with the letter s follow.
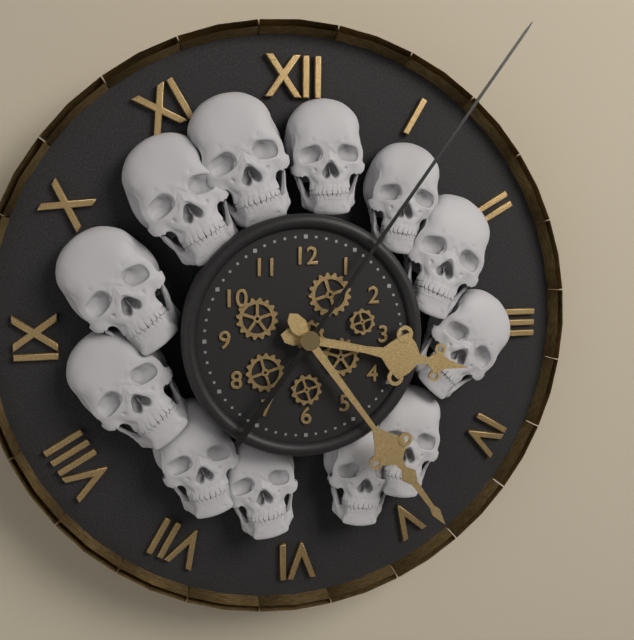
3h24m06s
